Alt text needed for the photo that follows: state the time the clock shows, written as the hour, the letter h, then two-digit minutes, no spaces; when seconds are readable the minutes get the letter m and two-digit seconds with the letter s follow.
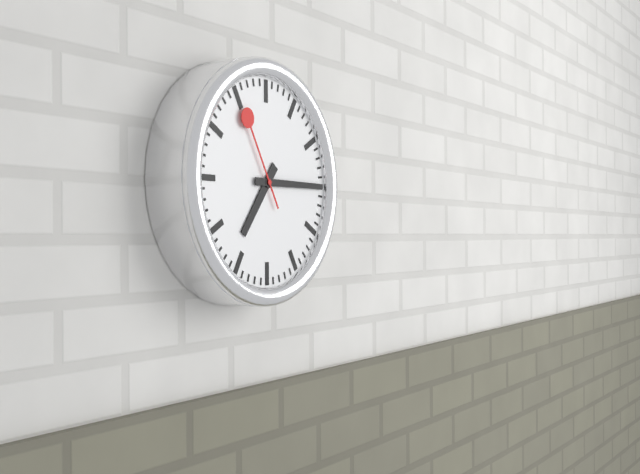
7h15m55s
